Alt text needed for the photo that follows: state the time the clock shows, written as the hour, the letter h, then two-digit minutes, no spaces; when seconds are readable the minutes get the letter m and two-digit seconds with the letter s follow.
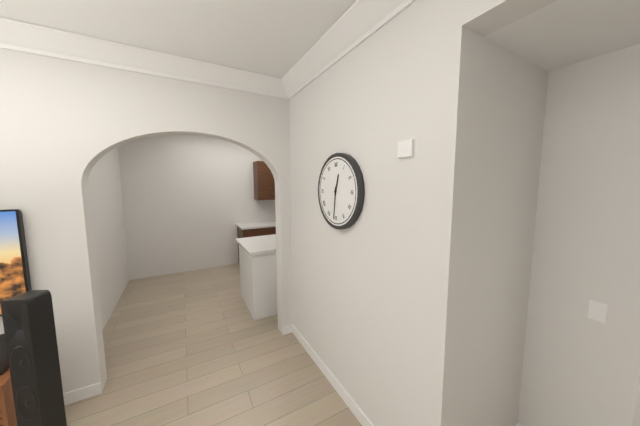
12h31
